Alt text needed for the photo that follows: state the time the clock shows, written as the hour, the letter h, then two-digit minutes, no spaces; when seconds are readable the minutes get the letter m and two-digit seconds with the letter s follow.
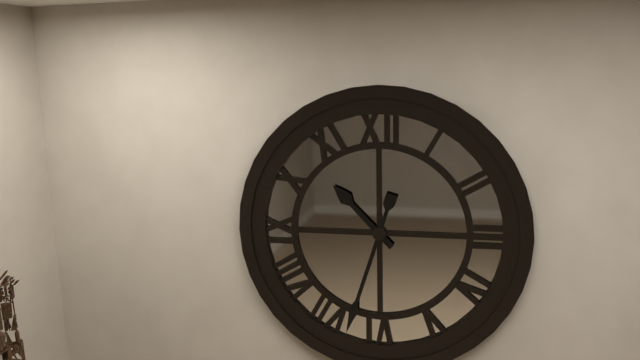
10h33
